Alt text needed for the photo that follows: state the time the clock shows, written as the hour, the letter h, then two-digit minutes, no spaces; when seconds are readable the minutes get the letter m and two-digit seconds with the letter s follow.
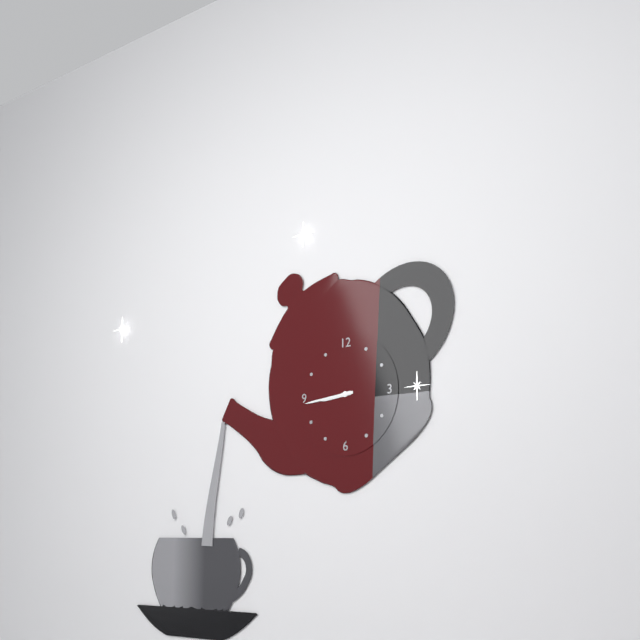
8h44
